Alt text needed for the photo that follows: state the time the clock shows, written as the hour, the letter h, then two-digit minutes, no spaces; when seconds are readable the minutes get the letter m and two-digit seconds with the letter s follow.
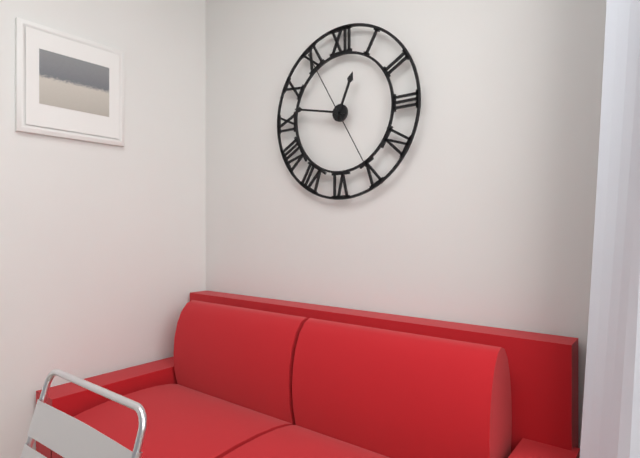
12h47m55s
